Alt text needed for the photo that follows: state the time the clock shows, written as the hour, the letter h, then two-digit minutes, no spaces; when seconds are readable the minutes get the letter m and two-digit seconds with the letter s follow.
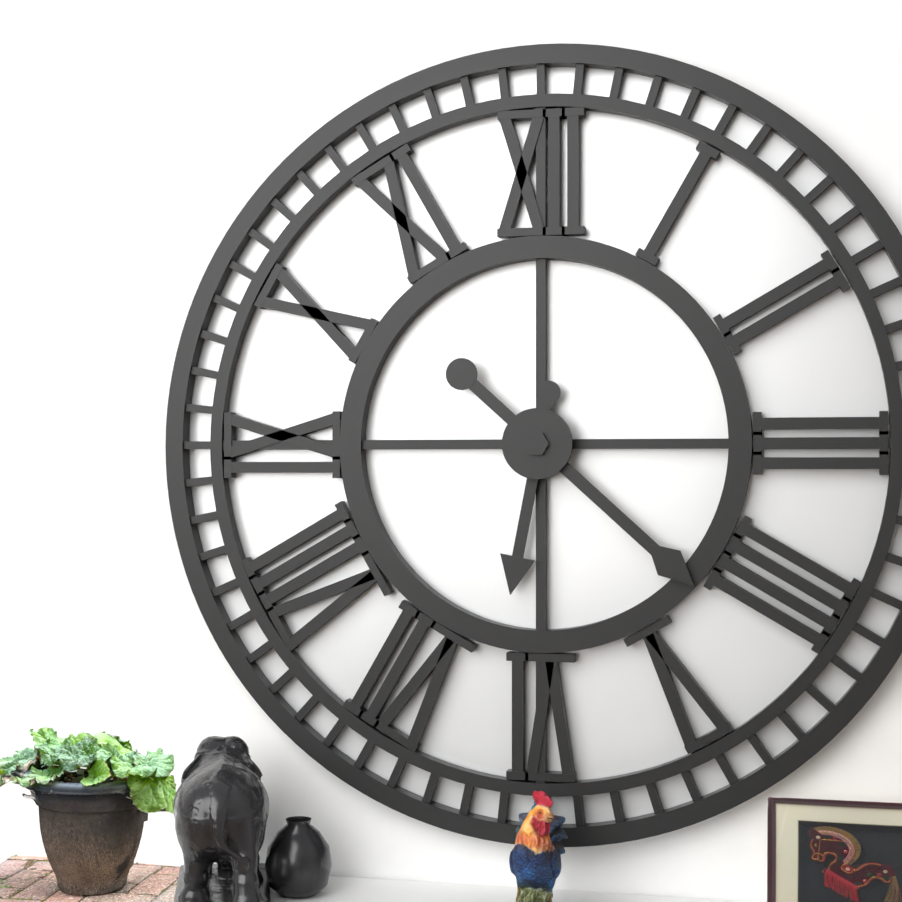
6h22
